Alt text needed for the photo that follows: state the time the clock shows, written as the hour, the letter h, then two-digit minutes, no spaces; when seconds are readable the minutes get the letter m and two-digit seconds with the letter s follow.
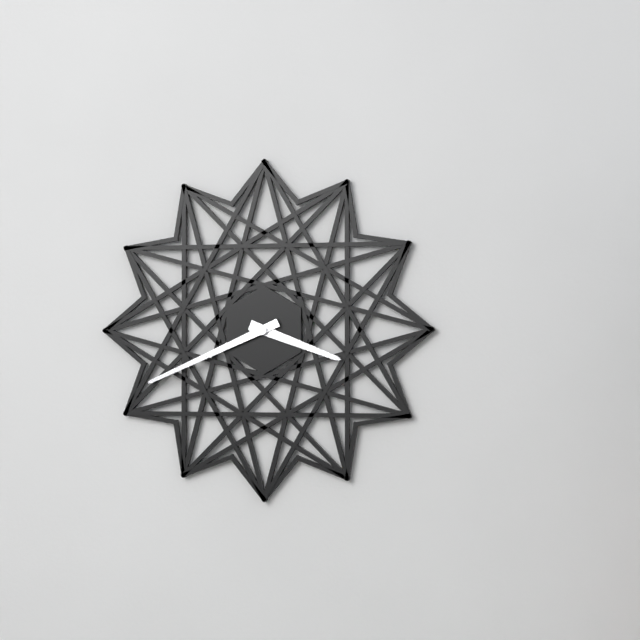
3h41
